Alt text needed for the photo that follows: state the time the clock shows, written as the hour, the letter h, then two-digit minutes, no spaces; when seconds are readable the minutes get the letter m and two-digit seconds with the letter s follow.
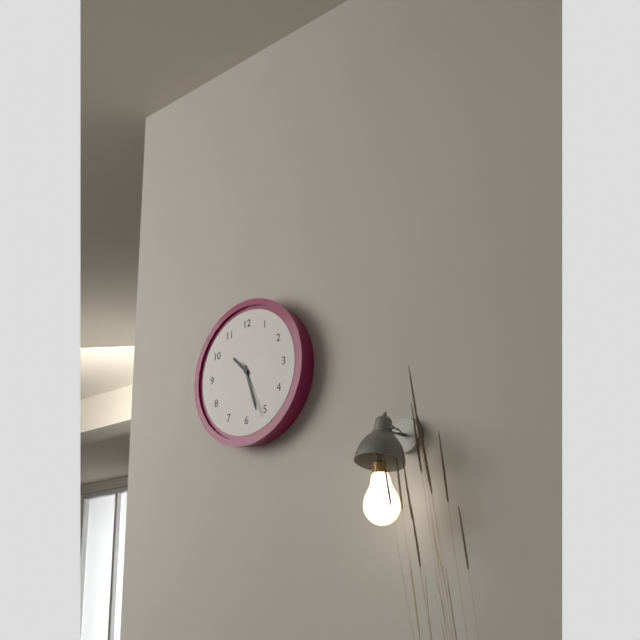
10h27m26s
